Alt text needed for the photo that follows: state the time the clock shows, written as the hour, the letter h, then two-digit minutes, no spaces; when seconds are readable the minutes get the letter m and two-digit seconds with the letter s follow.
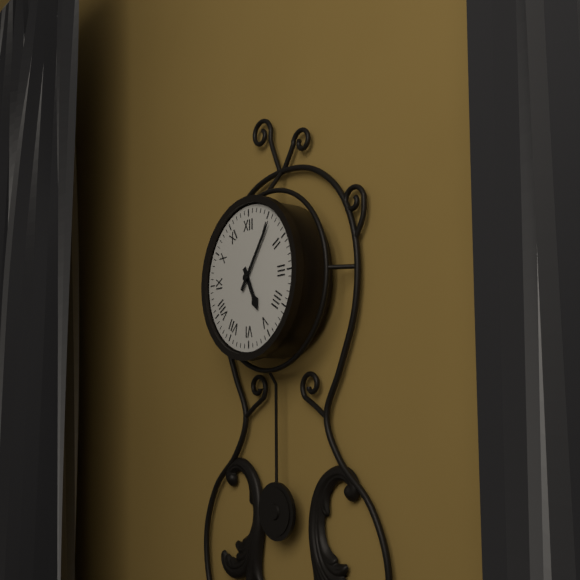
5h06
